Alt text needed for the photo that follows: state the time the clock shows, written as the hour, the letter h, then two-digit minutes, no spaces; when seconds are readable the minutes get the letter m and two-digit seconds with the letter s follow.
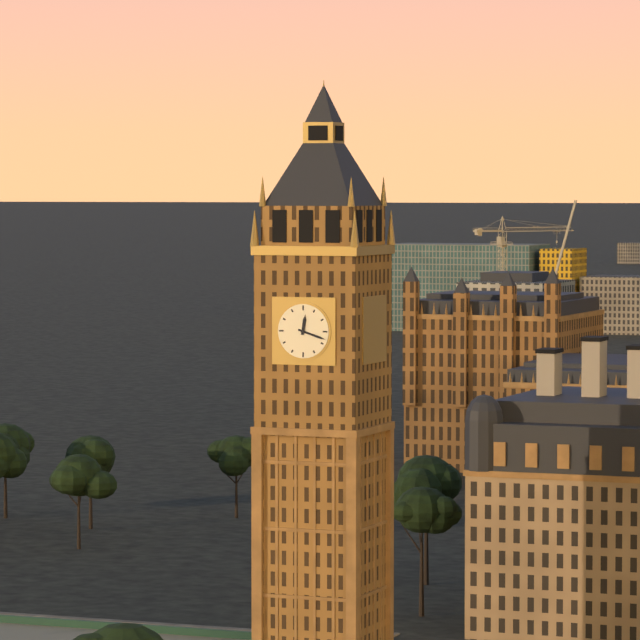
12h18
